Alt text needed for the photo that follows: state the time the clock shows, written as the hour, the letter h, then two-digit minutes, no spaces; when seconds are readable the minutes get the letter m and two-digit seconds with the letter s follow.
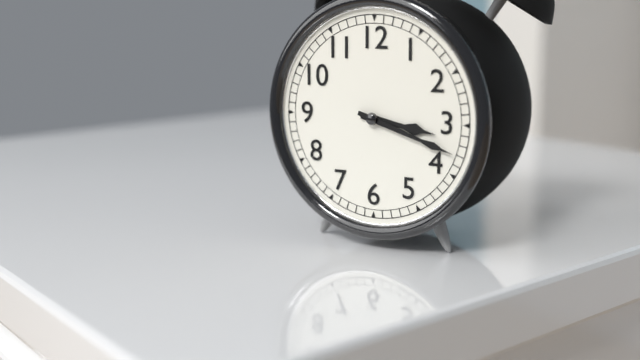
3h18
